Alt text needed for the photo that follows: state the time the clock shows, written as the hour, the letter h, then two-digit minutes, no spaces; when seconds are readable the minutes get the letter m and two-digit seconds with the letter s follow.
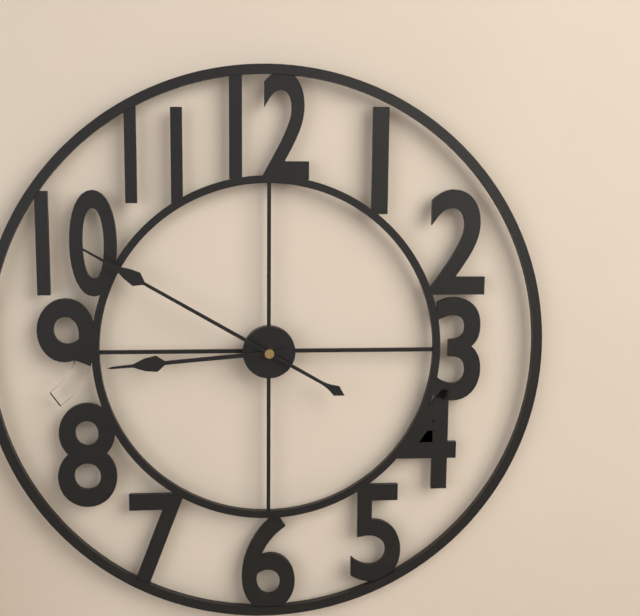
8h50
